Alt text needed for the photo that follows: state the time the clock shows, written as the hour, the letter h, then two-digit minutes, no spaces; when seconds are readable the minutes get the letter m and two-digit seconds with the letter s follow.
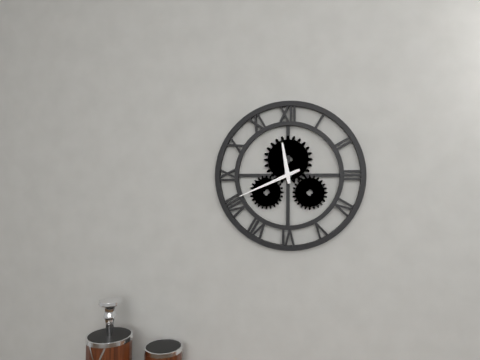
11h41
